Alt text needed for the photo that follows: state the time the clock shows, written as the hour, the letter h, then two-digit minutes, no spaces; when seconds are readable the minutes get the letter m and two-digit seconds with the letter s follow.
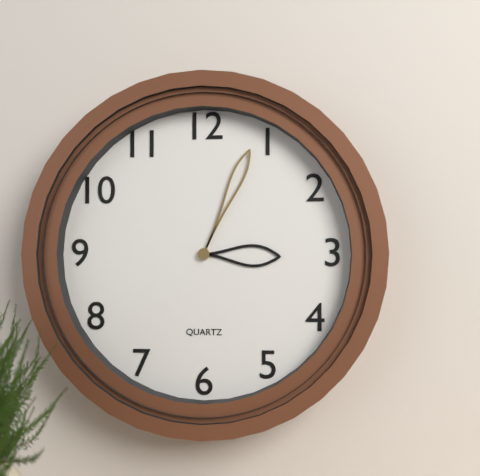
3h04
